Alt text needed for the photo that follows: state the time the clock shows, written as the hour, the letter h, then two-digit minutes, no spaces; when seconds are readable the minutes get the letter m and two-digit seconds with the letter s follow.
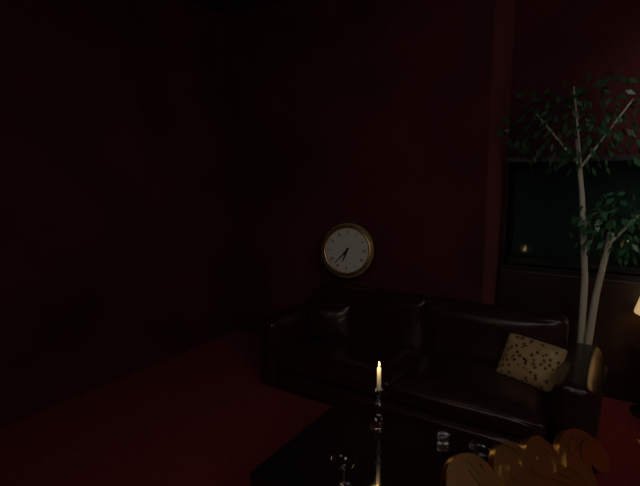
6h37
